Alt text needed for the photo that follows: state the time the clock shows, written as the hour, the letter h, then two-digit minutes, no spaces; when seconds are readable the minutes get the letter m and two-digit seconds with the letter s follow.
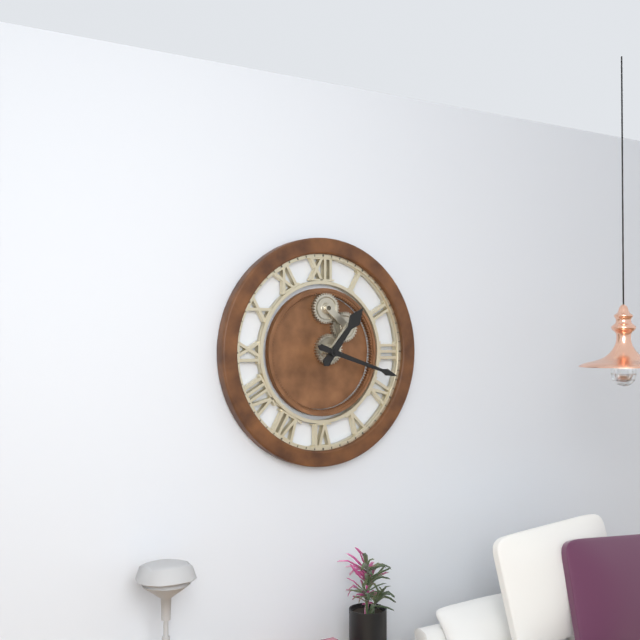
1h18
